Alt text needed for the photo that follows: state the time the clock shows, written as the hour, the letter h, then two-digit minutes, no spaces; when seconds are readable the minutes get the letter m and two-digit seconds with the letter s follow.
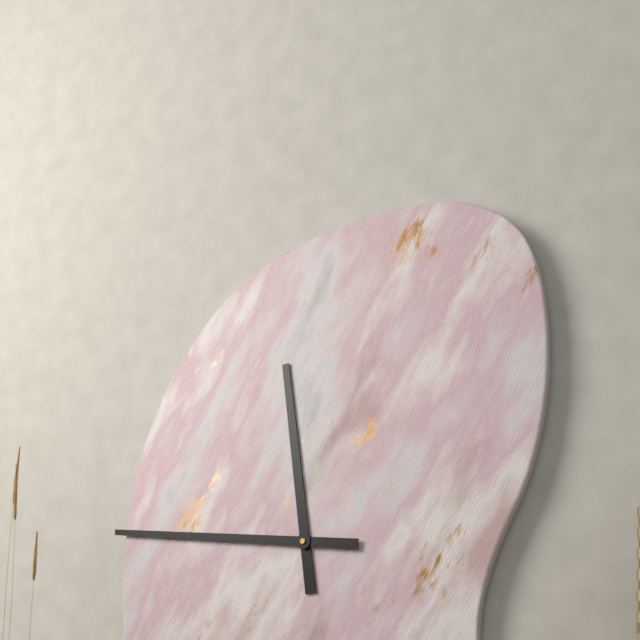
11h46
